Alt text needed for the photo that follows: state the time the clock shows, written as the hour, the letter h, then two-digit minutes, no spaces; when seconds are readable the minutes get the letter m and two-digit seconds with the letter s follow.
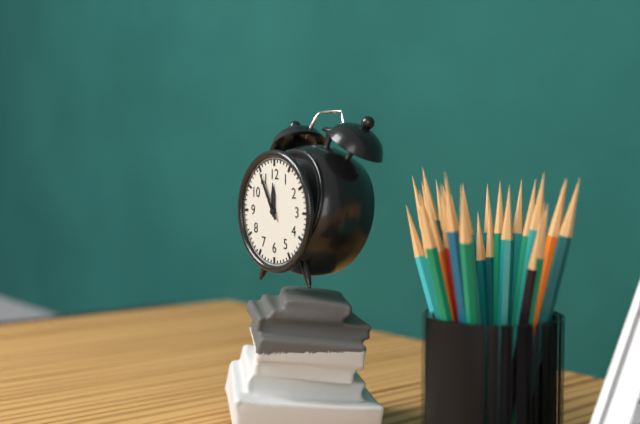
11h55
